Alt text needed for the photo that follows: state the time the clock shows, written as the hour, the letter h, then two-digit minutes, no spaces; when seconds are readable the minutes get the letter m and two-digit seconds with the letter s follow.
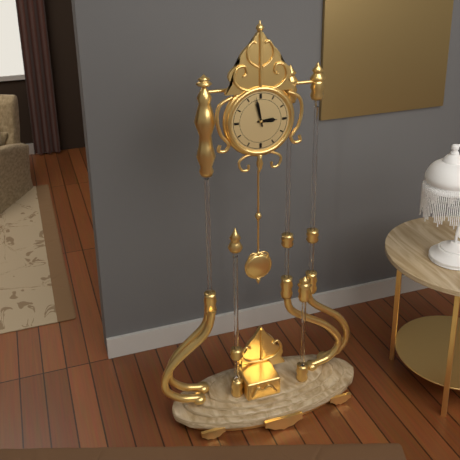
2h58
